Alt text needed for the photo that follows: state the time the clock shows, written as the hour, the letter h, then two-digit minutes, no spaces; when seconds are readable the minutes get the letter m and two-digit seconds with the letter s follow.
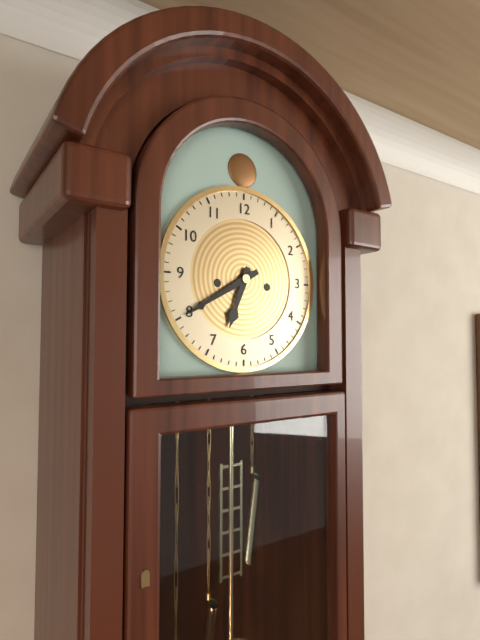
6h40
